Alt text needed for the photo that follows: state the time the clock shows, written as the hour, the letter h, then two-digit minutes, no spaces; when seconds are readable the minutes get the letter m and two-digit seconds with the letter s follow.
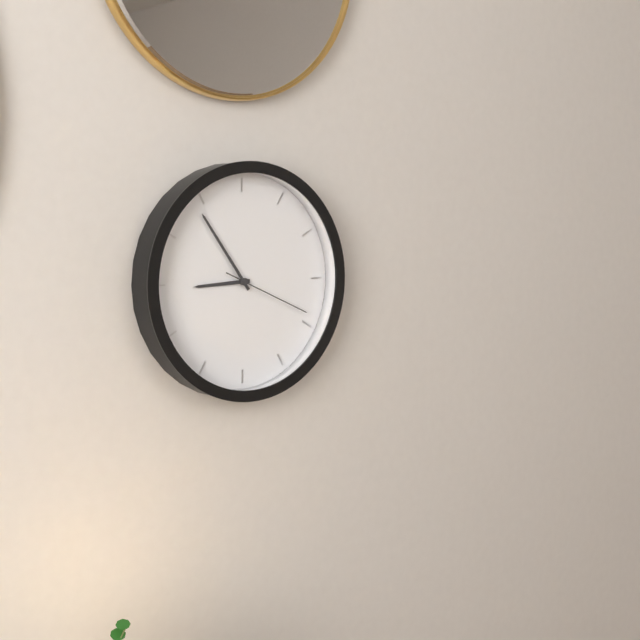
8h54m19s
